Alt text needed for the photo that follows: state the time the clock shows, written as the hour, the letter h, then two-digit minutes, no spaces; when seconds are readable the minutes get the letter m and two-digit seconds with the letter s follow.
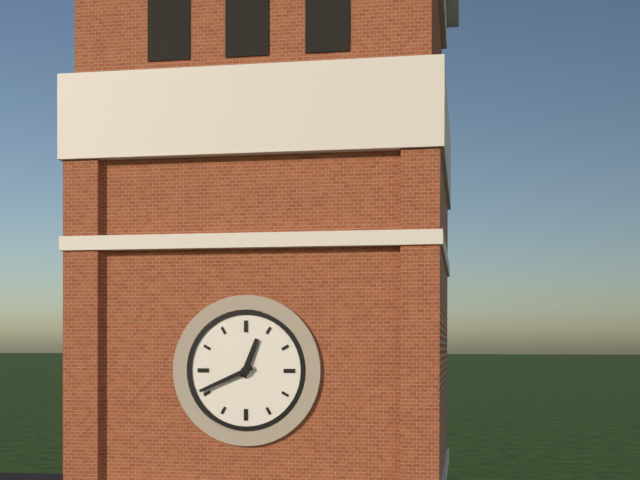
12h41
